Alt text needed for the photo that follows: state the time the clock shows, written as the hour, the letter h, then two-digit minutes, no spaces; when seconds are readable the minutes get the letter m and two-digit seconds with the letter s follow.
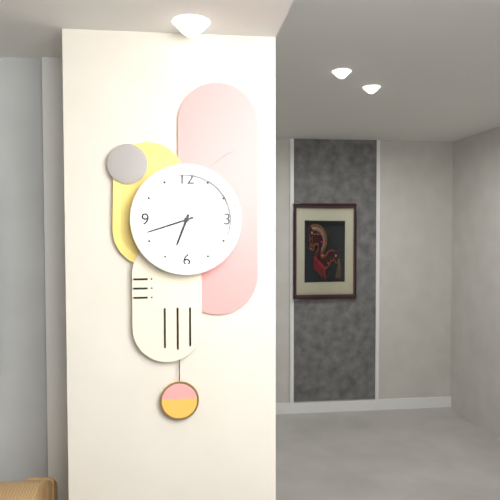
6h42
